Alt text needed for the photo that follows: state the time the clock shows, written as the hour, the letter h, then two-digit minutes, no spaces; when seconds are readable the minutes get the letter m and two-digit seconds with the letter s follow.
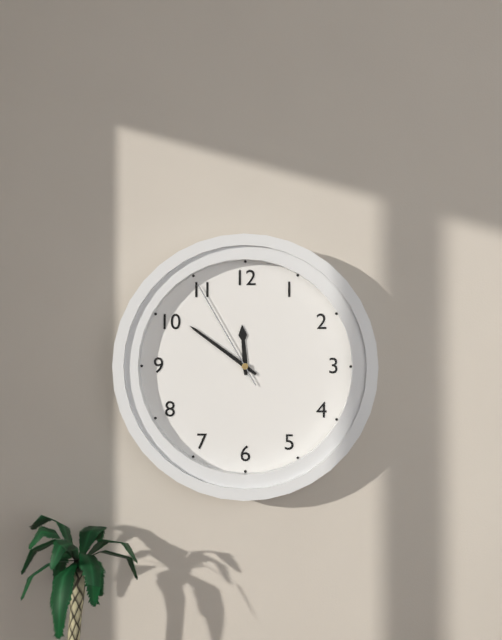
11h51m55s
